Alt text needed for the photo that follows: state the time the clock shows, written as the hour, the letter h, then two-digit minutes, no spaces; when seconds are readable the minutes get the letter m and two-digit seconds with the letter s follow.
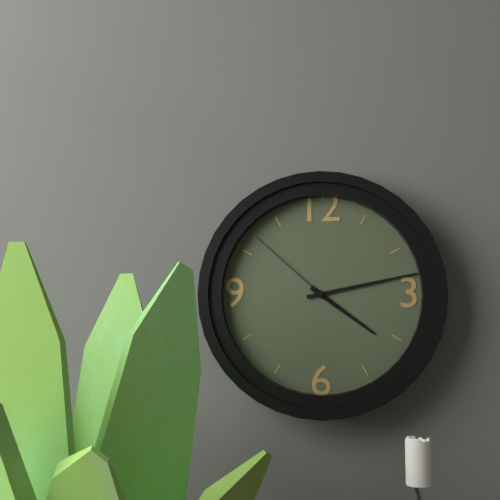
4h13m52s
